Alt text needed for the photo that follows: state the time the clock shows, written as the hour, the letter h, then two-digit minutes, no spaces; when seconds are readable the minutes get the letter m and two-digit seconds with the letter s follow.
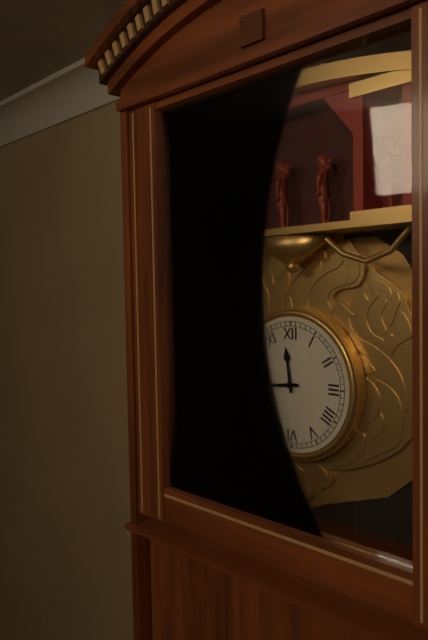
11h44
